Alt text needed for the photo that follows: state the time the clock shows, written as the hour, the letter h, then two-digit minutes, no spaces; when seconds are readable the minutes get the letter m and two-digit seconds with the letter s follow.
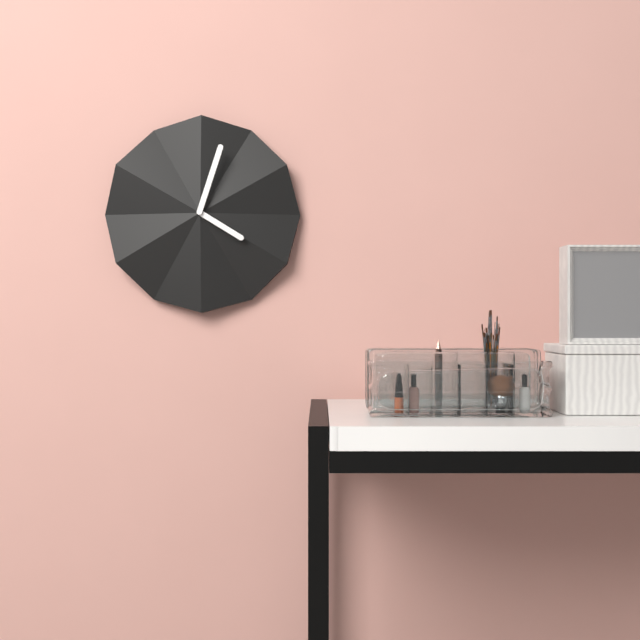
4h03
